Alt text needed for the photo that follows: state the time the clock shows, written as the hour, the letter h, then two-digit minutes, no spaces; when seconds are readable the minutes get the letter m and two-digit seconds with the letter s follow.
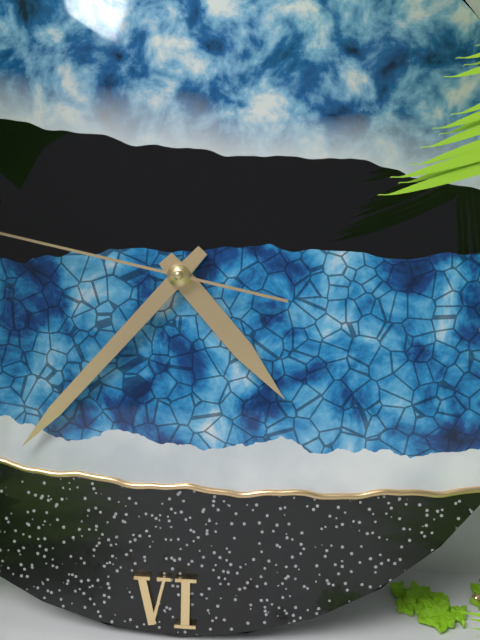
4h37
